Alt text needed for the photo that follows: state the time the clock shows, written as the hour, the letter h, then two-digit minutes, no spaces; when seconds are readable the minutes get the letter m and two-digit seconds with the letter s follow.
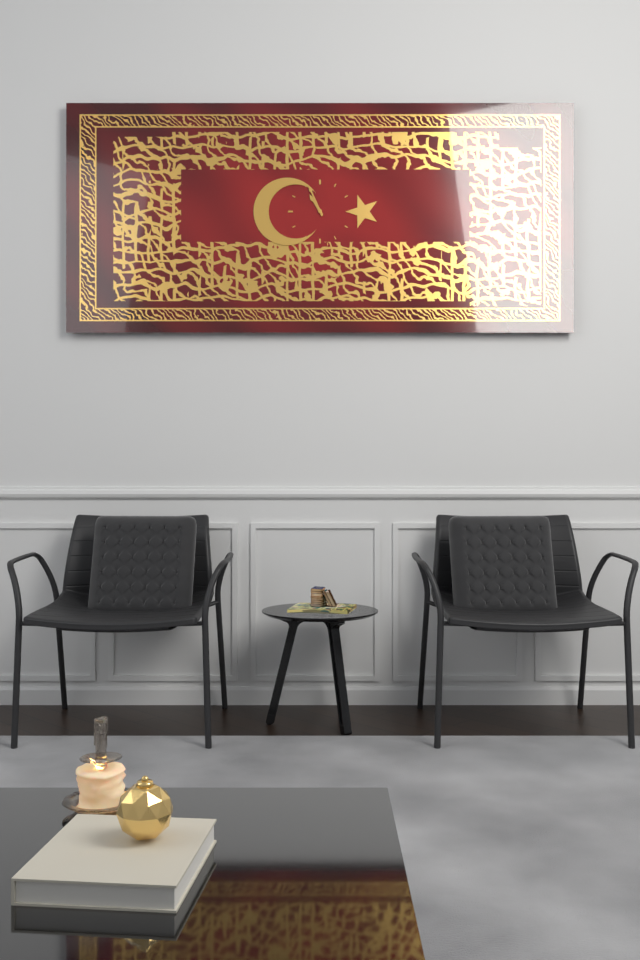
10h56
